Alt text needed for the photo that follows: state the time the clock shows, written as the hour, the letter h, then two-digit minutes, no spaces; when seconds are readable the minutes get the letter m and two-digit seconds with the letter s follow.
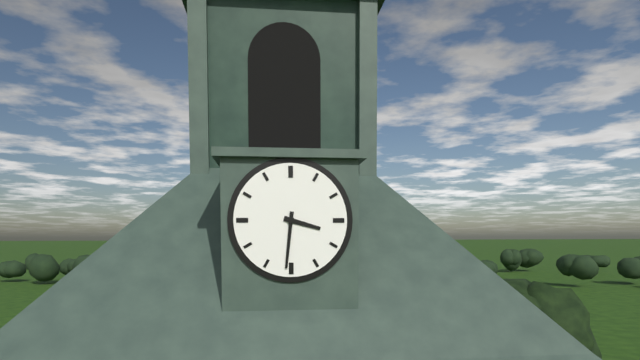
3h31
